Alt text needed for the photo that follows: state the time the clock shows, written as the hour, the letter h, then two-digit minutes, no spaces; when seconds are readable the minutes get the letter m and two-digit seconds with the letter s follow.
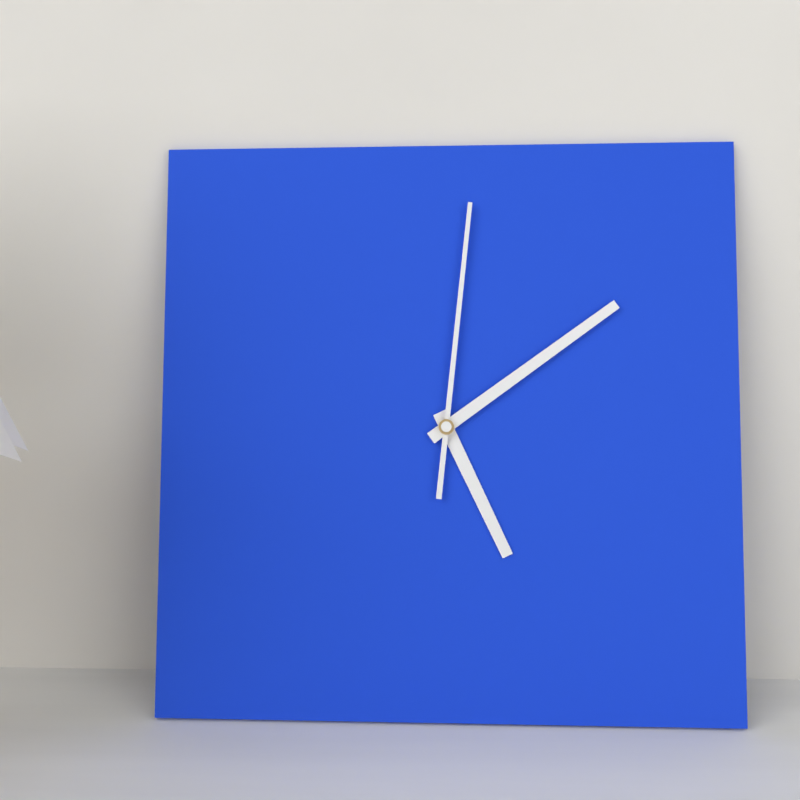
5h09m01s
